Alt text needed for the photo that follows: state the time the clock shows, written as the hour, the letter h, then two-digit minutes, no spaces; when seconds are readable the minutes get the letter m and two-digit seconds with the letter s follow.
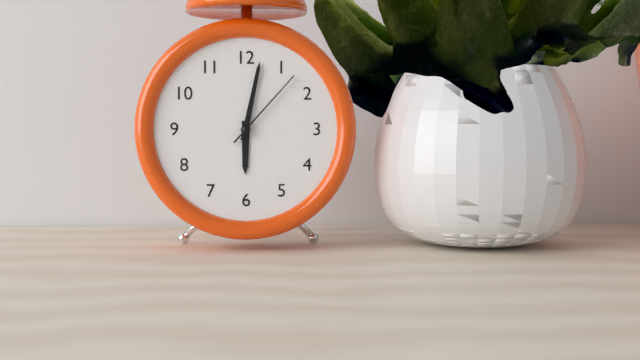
6h02m07s
